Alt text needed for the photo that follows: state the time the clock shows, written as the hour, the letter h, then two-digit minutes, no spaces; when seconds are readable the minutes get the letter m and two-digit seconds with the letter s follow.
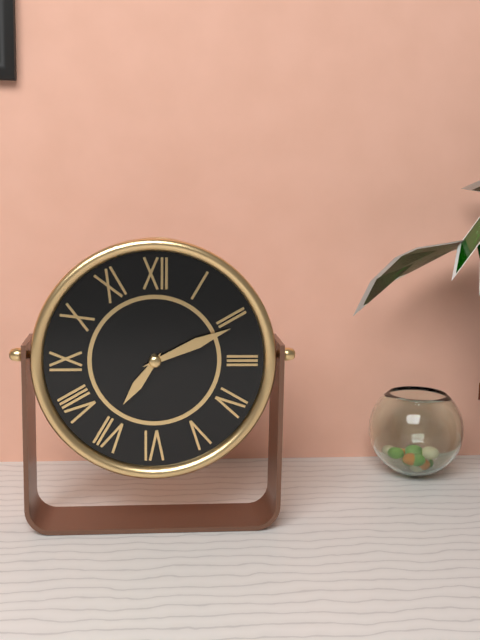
7h11
